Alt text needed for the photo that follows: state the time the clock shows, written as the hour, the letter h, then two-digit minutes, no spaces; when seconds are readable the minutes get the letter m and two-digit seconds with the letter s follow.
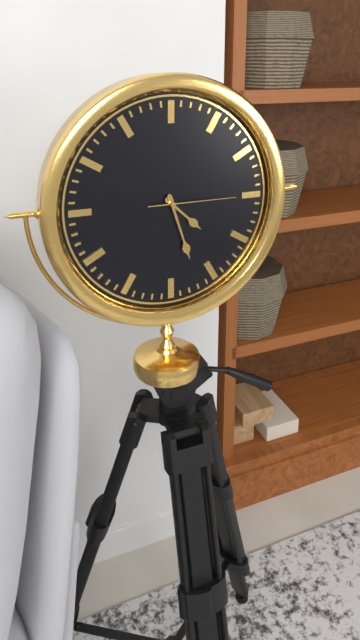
4h27m15s
